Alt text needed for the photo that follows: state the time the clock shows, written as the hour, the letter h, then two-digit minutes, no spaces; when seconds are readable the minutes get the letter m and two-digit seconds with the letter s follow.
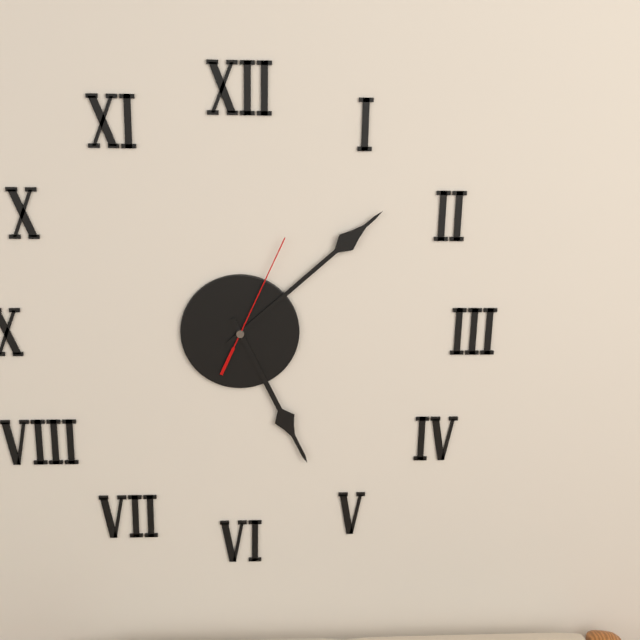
5h08m04s
